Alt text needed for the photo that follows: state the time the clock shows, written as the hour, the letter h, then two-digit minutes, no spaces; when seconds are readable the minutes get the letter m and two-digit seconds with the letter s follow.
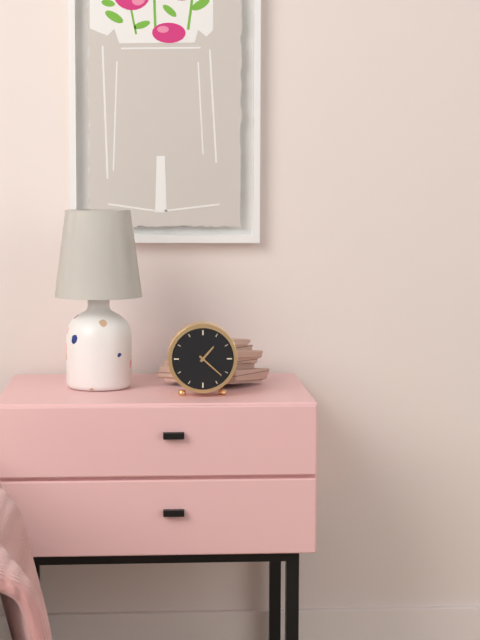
1h22
